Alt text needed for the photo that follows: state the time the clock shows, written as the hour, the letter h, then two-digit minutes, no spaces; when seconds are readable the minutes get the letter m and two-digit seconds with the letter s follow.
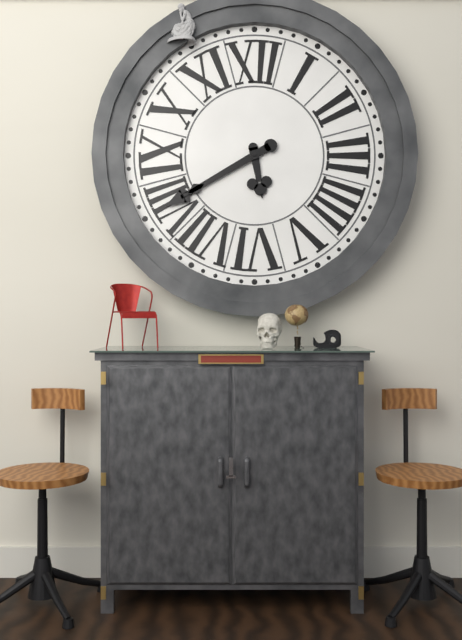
5h40
